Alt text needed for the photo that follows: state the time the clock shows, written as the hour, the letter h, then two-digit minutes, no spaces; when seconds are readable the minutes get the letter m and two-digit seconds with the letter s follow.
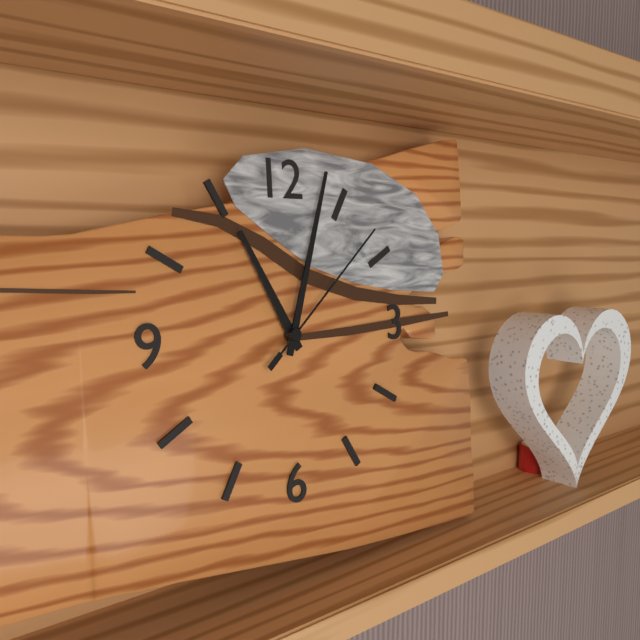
11h03m08s
